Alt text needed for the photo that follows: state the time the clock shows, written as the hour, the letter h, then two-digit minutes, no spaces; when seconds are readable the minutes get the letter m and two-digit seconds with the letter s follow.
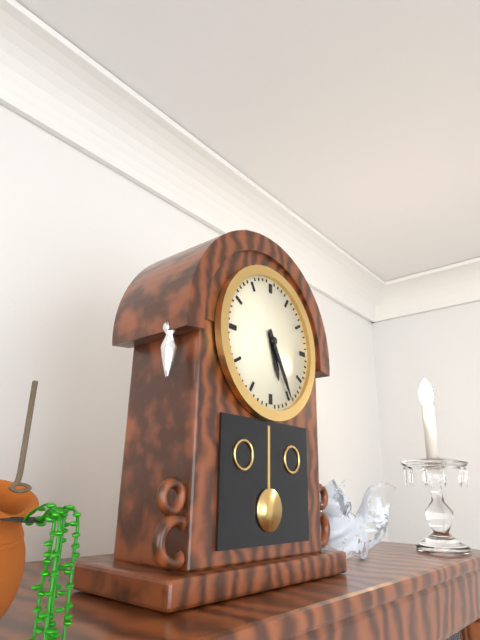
5h25
